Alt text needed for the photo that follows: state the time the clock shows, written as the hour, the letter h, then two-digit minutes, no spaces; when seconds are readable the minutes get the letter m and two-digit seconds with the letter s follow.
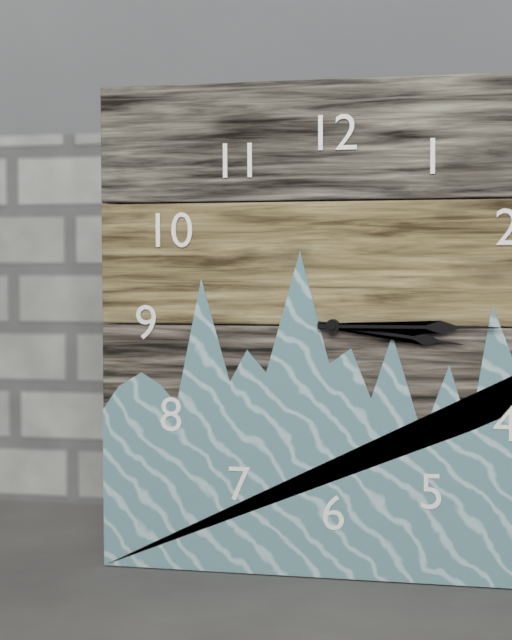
3h15
